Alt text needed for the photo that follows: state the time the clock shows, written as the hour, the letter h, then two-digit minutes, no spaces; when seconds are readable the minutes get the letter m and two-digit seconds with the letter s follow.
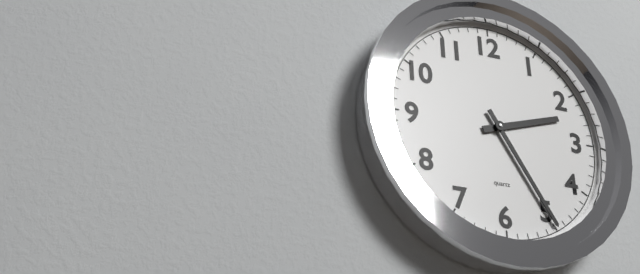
2h25
